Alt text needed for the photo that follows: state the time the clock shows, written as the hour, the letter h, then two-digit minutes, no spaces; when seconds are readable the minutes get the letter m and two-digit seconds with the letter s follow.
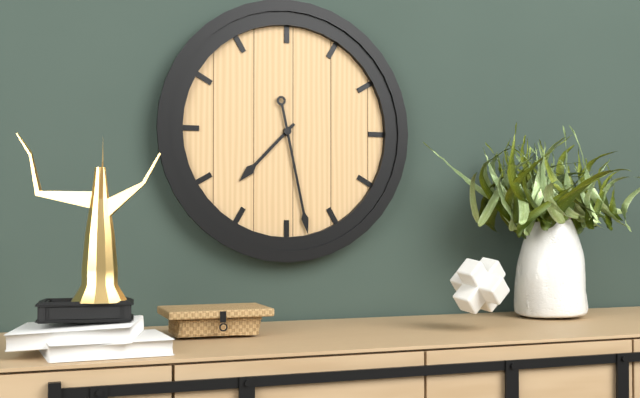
7h28
